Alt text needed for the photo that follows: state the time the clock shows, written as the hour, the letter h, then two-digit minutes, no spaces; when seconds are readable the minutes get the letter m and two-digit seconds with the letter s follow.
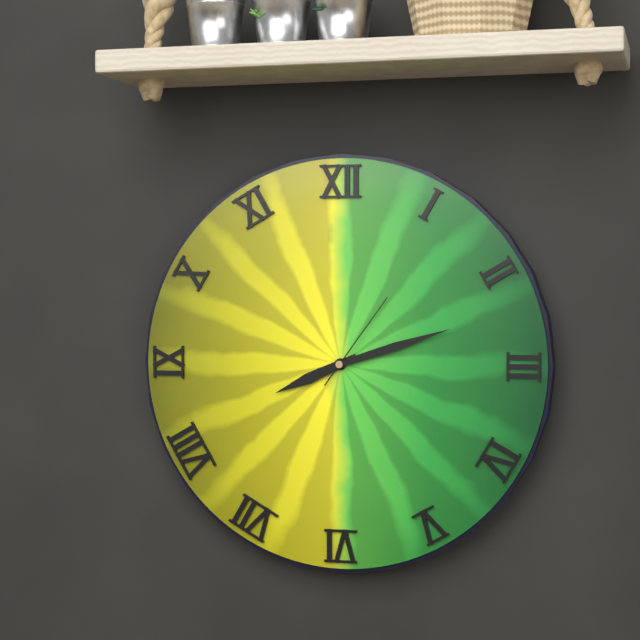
8h12m06s
